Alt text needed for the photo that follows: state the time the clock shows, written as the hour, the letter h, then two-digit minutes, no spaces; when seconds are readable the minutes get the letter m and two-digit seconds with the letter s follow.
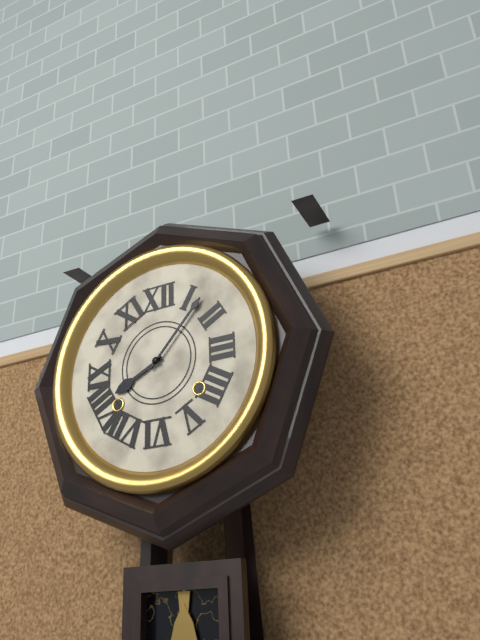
8h07
